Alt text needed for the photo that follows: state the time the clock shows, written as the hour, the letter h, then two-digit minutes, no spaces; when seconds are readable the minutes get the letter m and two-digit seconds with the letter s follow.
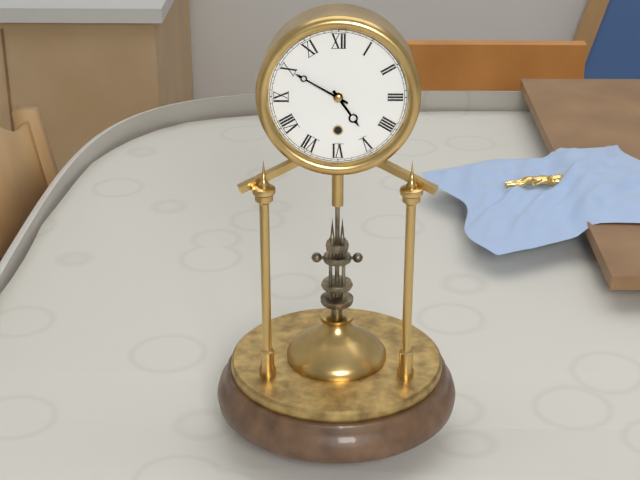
4h50
